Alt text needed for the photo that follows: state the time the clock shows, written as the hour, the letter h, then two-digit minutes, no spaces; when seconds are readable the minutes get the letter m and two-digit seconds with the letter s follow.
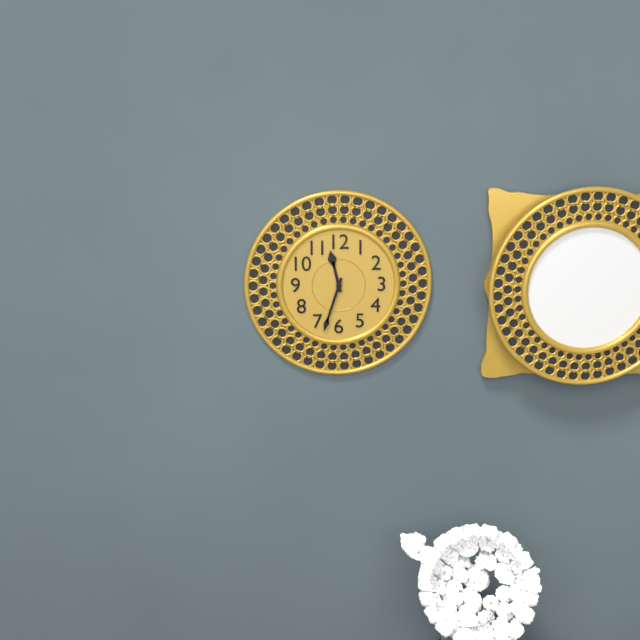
11h33
